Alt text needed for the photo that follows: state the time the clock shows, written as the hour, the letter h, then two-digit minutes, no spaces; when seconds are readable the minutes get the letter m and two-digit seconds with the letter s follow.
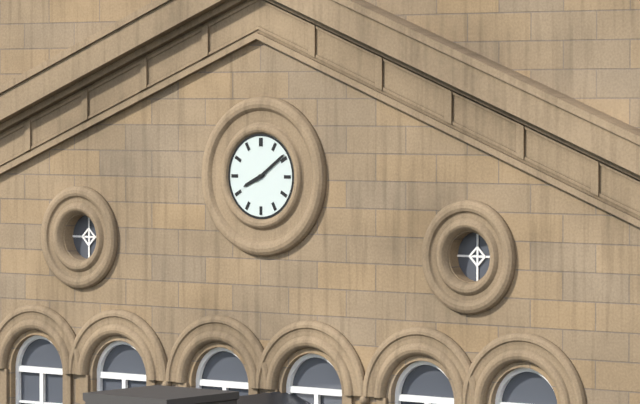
8h09
